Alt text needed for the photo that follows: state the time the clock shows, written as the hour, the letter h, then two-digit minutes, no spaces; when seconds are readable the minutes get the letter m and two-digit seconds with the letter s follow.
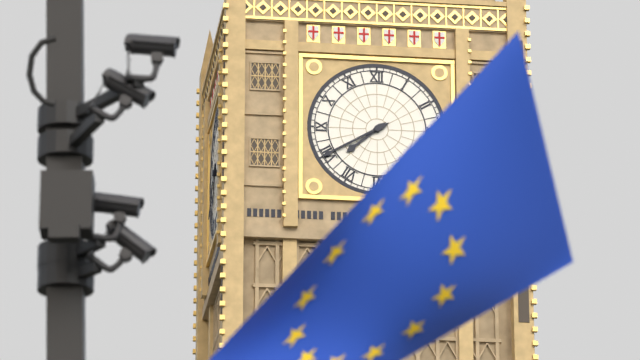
7h40
